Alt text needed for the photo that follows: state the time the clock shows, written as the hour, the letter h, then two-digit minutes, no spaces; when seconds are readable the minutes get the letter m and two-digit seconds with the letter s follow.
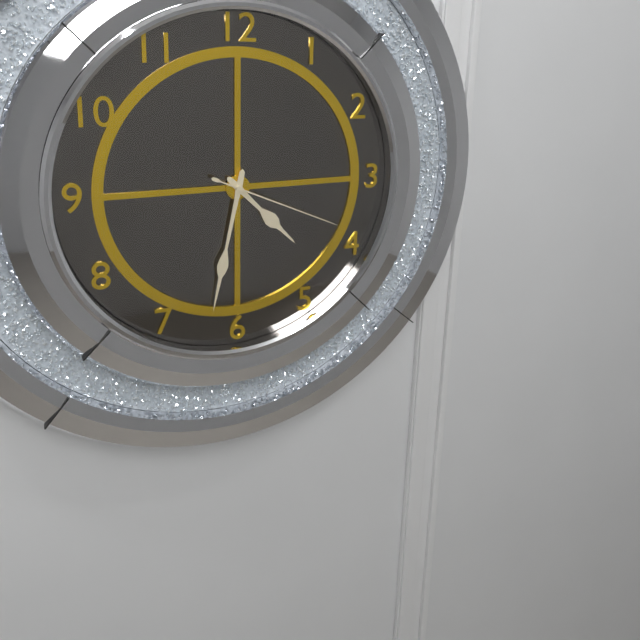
4h32m19s
